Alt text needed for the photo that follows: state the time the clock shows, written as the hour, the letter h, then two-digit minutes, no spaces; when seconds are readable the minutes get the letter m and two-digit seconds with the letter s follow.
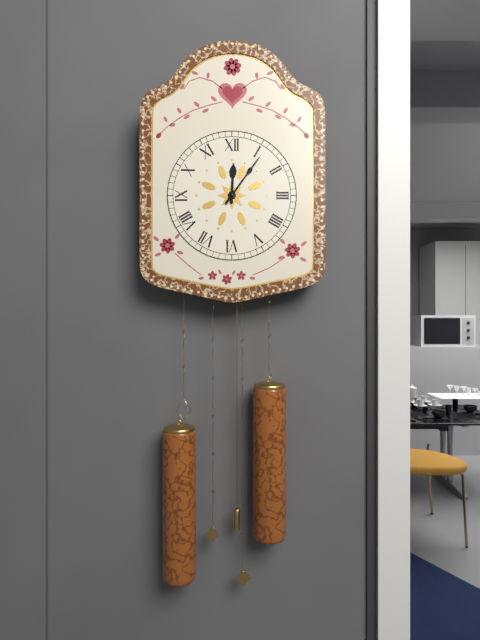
12h06
